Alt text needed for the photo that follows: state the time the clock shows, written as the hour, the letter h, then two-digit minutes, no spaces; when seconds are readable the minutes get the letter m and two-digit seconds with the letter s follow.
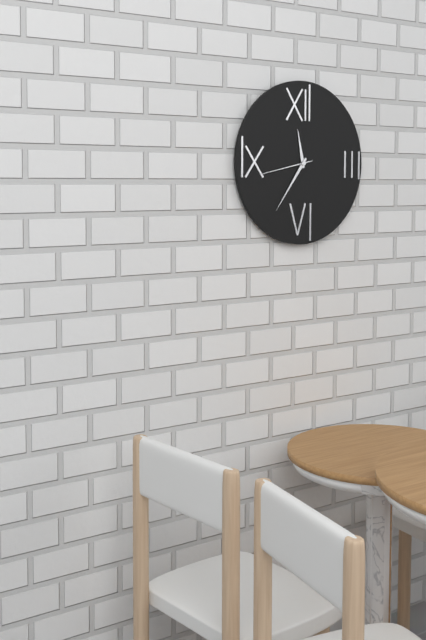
11h36m43s
